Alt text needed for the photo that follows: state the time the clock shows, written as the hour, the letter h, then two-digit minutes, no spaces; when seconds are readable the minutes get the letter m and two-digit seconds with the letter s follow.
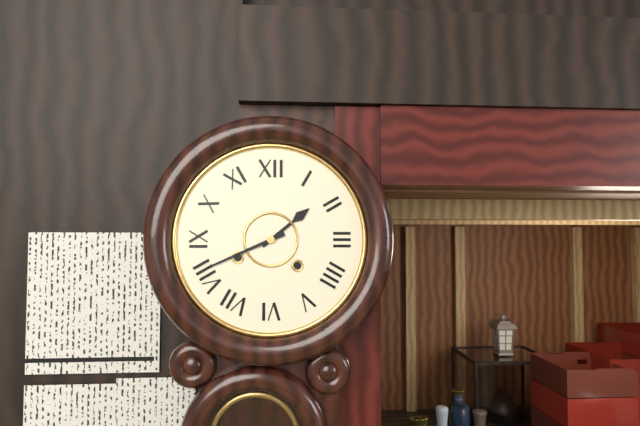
1h41
